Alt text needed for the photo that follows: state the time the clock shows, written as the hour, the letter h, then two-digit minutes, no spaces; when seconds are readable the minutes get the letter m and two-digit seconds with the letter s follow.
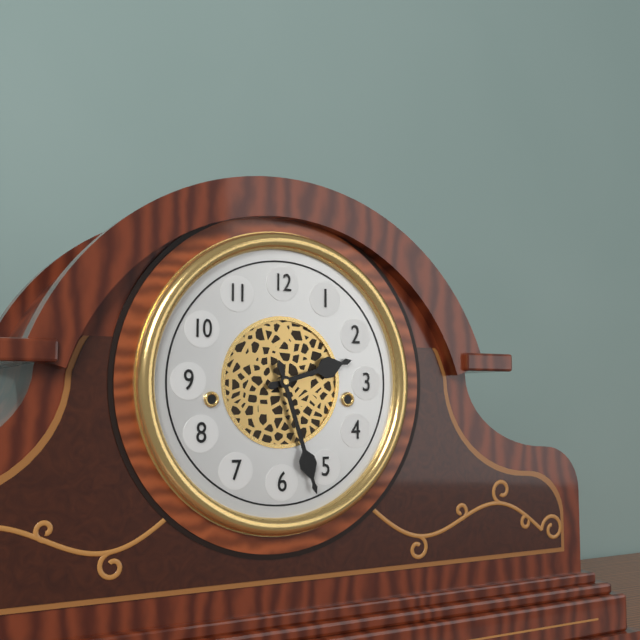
2h27
